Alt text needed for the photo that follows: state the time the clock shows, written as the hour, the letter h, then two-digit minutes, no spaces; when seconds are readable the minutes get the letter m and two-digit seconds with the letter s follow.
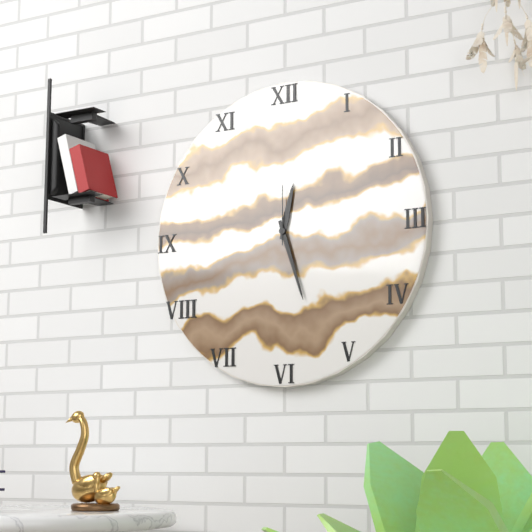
12h27m00s
